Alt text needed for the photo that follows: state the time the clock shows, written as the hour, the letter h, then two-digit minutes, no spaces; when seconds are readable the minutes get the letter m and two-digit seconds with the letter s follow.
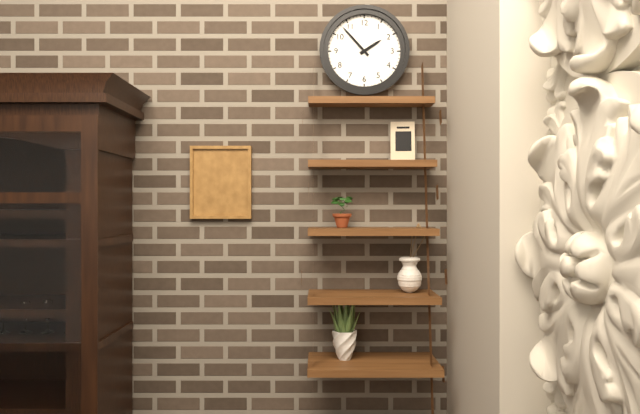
1h53
